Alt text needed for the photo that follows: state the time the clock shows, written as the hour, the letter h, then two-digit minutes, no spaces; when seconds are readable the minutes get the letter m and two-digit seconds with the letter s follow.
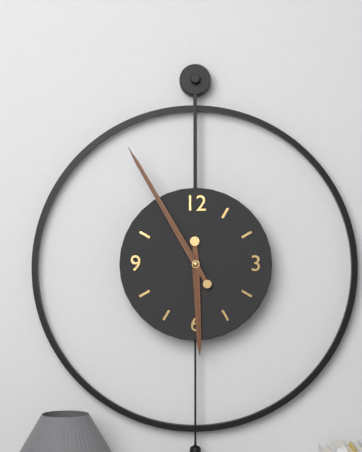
5h55
